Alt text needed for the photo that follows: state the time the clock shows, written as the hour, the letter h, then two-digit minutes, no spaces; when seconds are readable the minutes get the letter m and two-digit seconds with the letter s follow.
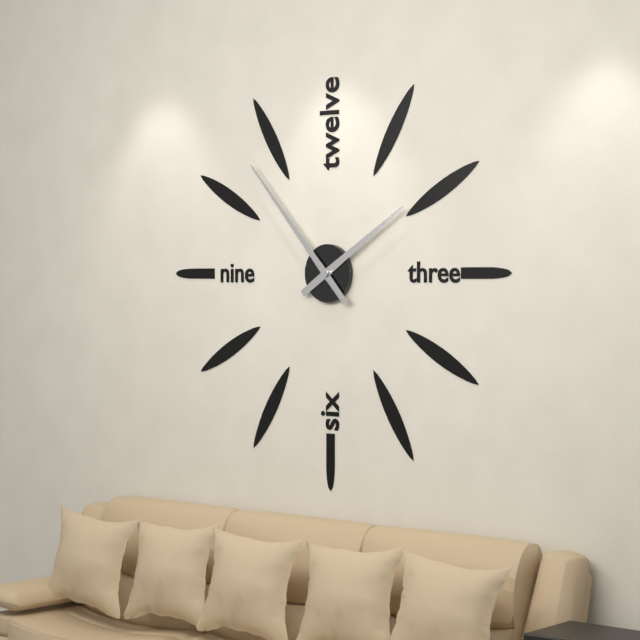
1h53
